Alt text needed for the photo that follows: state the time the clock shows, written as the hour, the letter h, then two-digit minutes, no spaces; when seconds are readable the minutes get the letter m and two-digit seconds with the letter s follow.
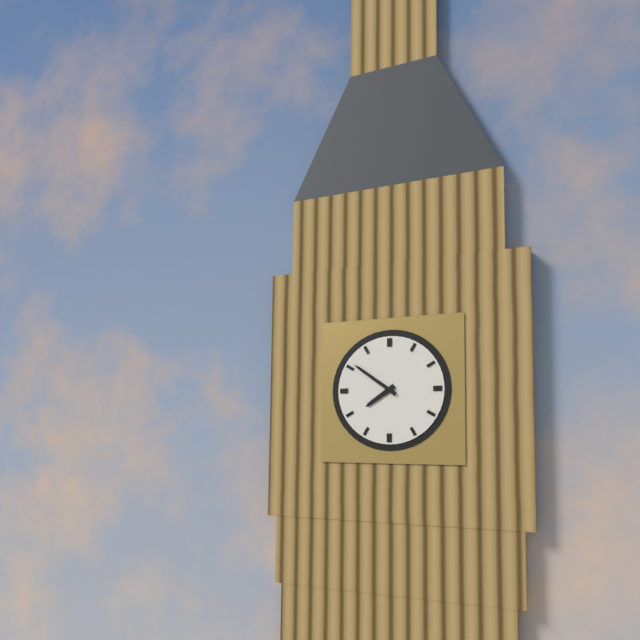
7h51
